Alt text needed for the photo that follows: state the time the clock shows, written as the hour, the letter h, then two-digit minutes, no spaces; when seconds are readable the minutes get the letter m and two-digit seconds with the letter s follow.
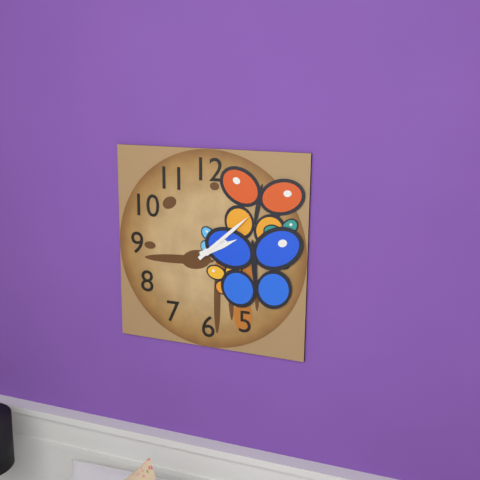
2h08
